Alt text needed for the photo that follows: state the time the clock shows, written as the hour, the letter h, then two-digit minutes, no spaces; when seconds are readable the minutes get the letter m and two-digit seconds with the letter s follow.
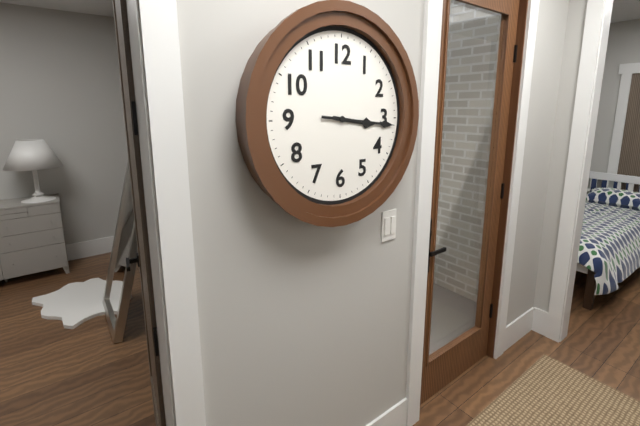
3h16
